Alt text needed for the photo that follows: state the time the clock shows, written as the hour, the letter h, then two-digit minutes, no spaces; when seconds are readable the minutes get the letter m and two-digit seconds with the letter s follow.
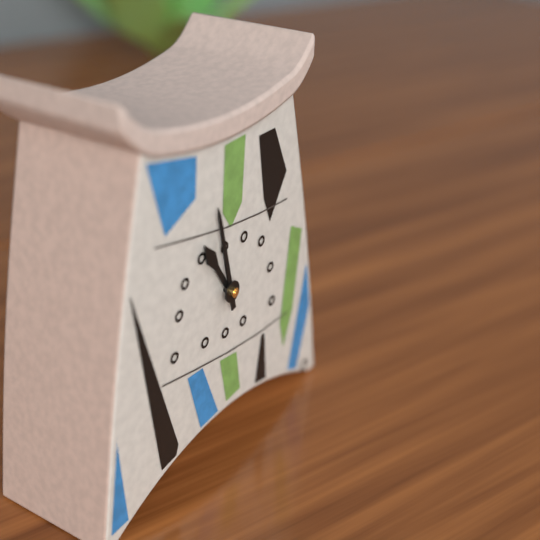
10h58
